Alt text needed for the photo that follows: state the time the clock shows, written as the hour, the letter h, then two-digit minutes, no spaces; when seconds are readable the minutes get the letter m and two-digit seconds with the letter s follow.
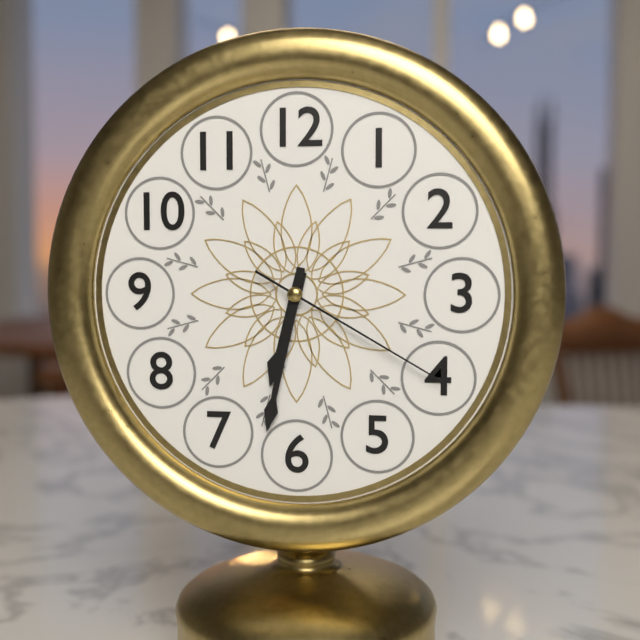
6h32m20s
